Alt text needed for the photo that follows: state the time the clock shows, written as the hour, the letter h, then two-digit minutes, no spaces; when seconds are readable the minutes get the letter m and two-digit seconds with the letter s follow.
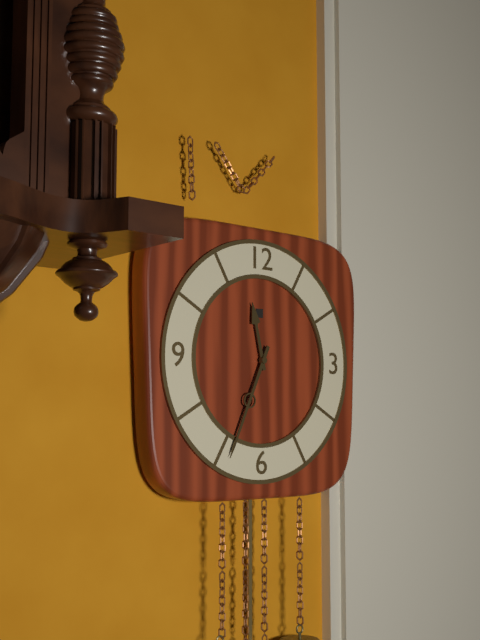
11h34
